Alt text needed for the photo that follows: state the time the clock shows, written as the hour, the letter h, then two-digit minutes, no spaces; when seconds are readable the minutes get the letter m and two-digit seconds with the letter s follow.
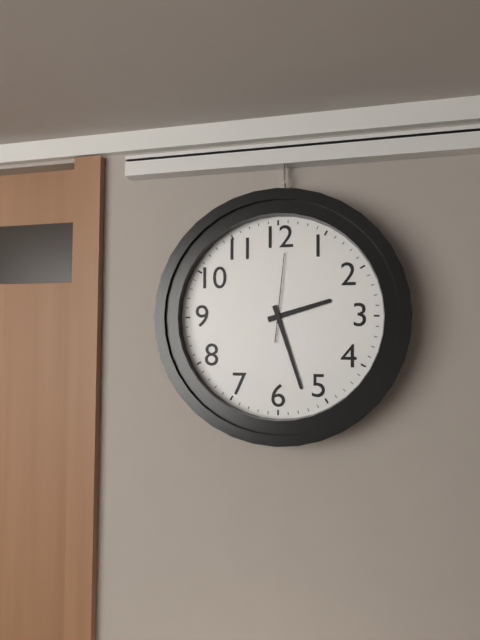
2h27m01s
